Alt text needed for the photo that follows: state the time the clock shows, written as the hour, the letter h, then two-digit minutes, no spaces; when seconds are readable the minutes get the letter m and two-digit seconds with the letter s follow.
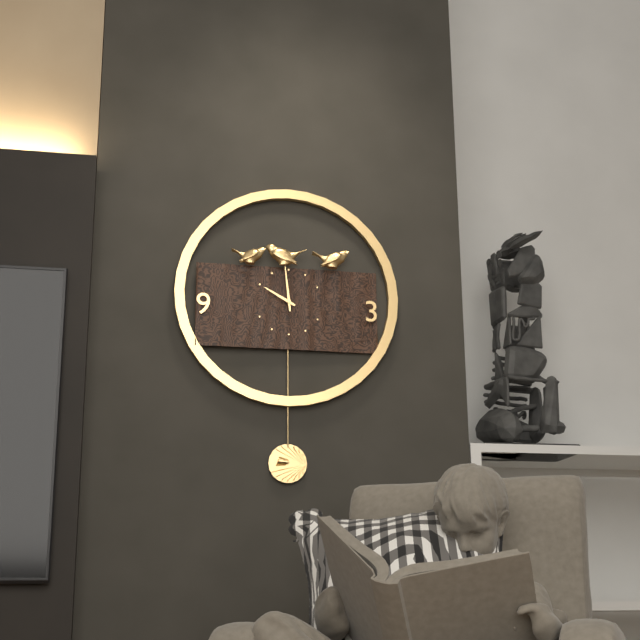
9h59
